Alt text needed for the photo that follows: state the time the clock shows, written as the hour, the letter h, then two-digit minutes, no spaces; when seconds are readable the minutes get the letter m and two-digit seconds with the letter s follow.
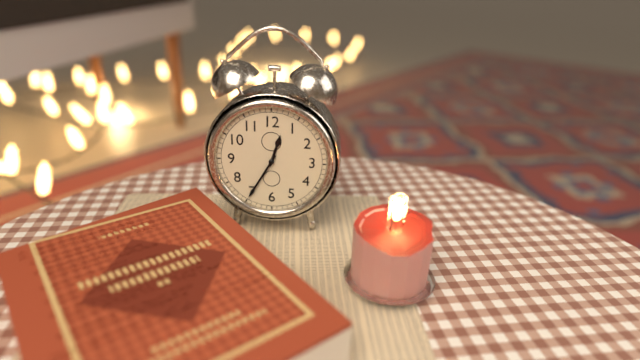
12h35
